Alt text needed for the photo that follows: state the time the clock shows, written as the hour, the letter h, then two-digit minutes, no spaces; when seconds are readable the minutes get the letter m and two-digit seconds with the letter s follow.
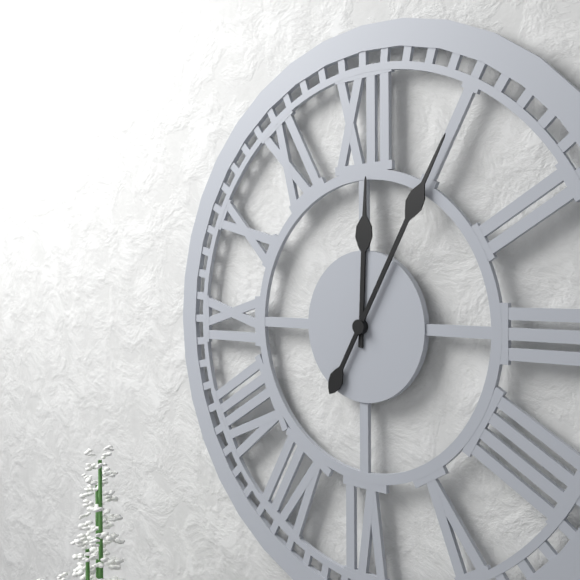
12h05
